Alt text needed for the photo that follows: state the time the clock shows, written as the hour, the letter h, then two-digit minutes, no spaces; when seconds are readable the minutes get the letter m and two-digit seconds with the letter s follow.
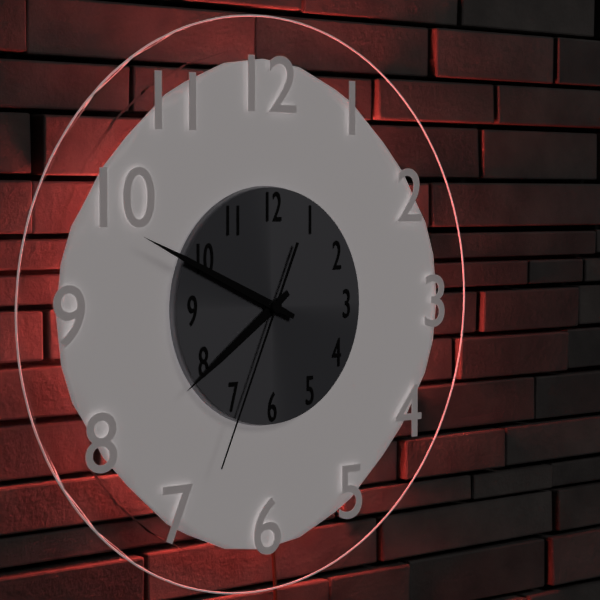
7h49m34s
